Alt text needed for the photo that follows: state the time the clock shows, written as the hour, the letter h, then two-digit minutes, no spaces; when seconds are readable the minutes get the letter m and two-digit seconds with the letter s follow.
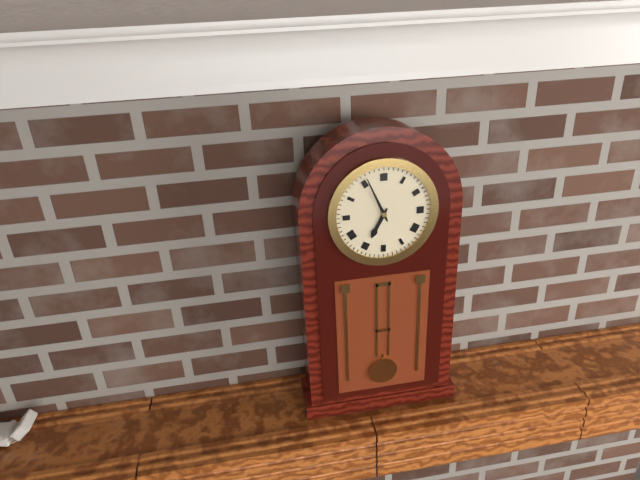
6h56
